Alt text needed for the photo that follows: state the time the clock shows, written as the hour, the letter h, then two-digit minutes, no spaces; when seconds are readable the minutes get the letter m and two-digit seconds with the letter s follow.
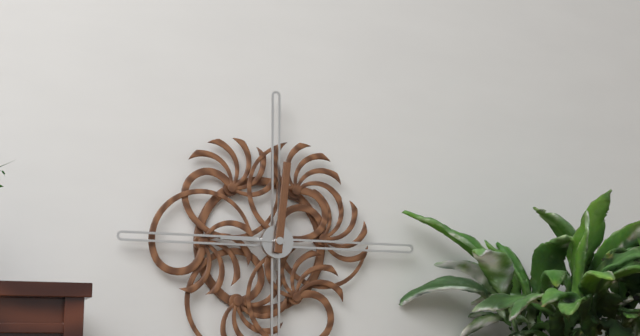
9h01
